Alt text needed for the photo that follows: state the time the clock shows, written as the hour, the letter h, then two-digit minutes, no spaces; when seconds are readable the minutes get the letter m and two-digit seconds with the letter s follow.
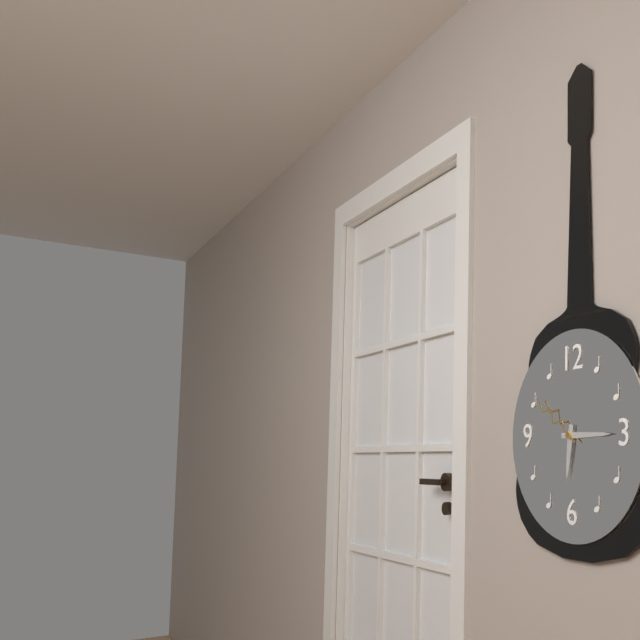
6h15m51s
